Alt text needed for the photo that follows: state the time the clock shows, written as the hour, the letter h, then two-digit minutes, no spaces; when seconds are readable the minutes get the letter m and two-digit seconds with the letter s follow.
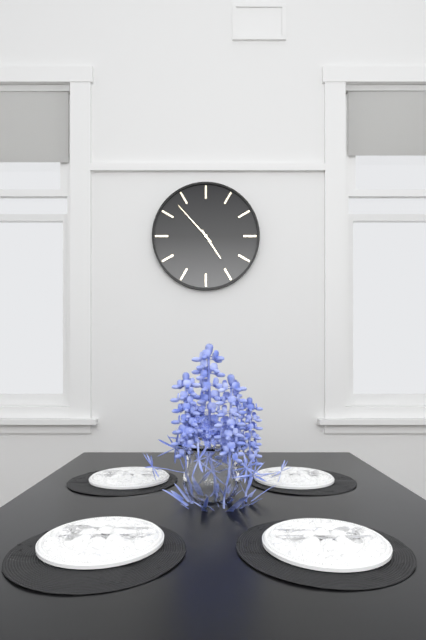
4h53
